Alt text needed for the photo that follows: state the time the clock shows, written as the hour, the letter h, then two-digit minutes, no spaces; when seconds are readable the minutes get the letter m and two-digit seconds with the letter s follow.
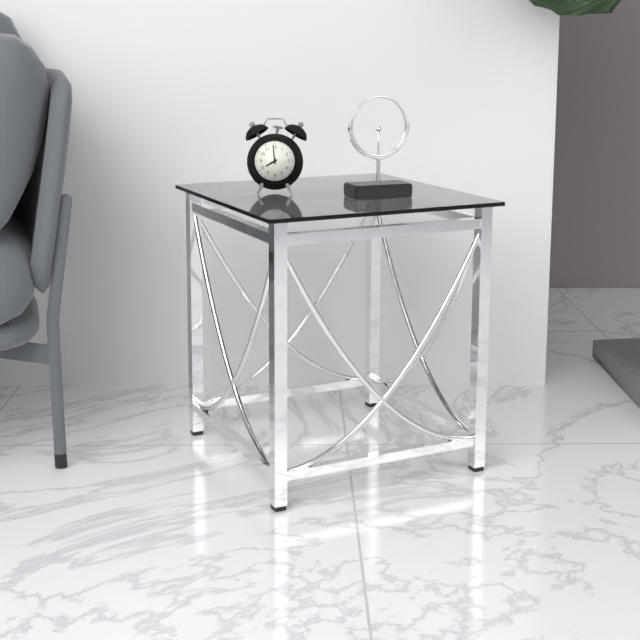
7h59
